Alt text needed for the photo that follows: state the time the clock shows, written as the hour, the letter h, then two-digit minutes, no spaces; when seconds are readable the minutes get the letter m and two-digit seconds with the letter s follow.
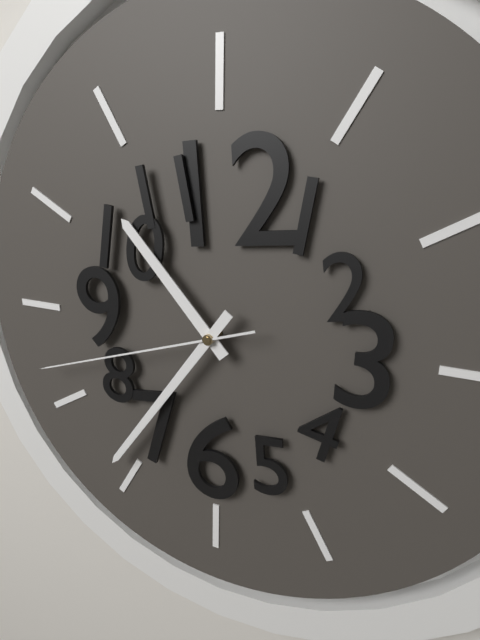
10h36m42s
